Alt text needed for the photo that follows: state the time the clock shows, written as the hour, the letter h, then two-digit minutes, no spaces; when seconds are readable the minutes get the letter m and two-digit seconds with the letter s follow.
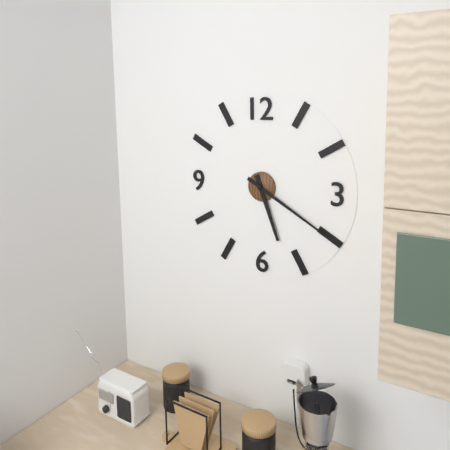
5h20
